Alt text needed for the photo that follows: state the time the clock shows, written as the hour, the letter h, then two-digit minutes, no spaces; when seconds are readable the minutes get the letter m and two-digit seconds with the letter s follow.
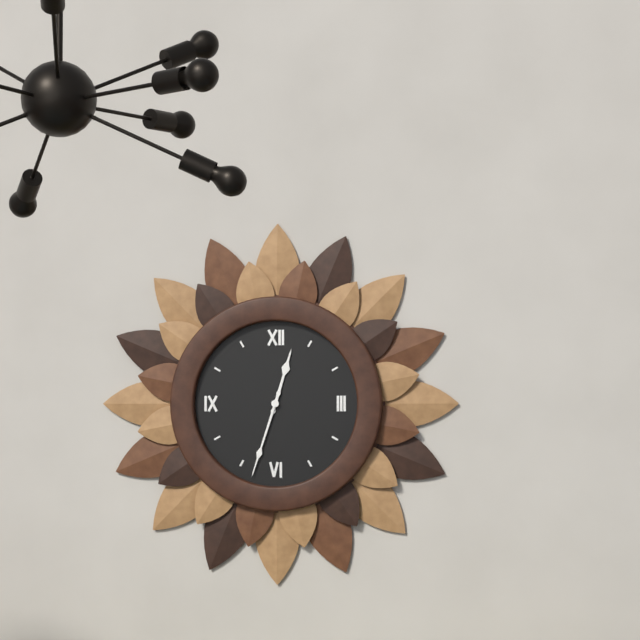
12h33
